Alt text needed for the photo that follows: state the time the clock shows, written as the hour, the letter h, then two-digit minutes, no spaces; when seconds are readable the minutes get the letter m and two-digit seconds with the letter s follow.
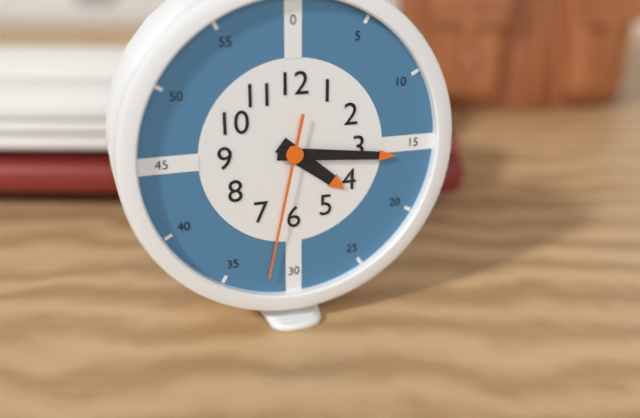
4h16m32s
